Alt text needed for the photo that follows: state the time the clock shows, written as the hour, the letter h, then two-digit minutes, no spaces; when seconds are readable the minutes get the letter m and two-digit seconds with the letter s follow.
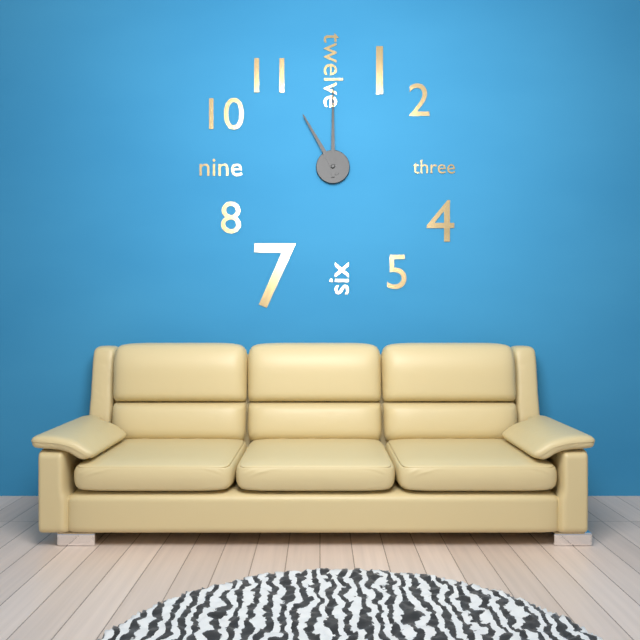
11h00
